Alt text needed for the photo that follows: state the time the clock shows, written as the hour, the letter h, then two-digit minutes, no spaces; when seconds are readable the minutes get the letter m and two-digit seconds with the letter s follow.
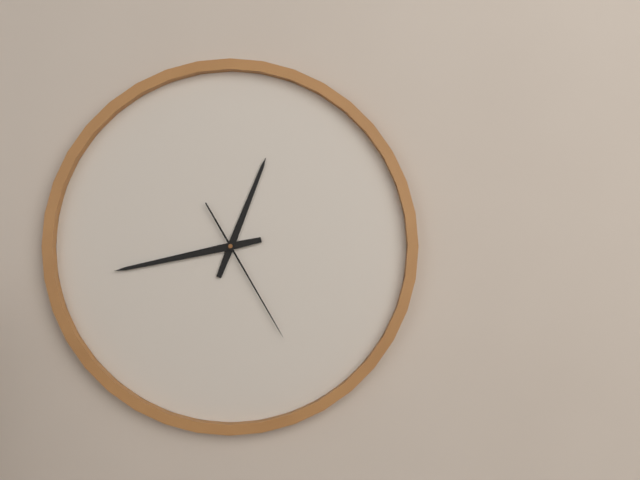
12h43m25s
